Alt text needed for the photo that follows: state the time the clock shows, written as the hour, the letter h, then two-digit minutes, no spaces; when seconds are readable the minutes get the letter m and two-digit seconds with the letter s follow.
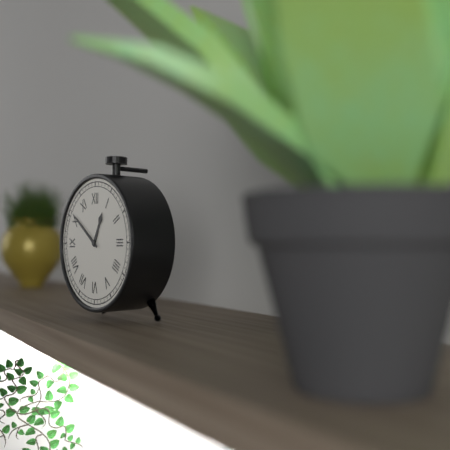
12h51
